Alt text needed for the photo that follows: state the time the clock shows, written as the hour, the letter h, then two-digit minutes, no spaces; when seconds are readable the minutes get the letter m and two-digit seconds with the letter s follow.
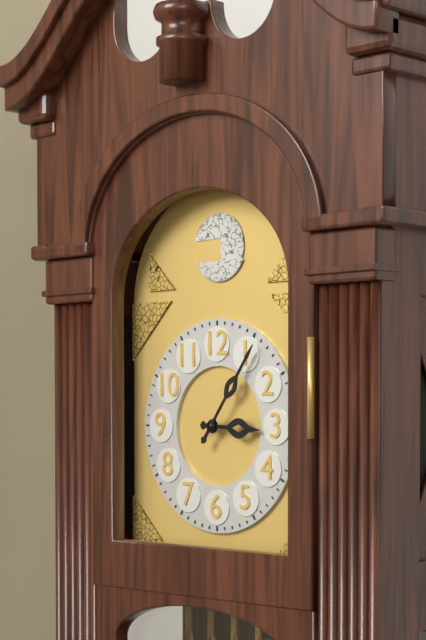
3h06
